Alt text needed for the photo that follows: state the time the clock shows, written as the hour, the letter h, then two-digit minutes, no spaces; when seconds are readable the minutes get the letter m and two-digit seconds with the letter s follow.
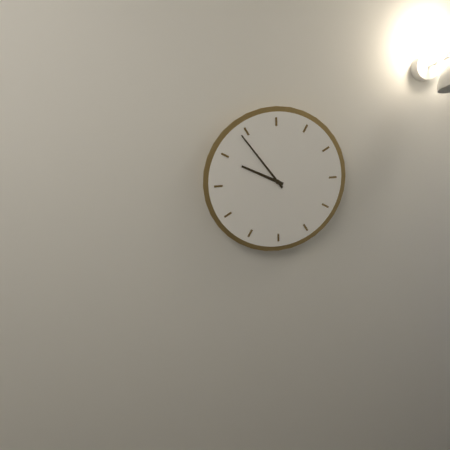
9h54
